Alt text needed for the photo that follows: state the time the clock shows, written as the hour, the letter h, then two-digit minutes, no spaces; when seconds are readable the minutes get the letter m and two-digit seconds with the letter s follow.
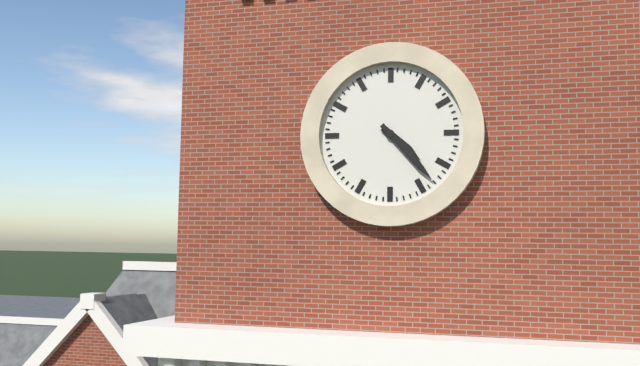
4h23
